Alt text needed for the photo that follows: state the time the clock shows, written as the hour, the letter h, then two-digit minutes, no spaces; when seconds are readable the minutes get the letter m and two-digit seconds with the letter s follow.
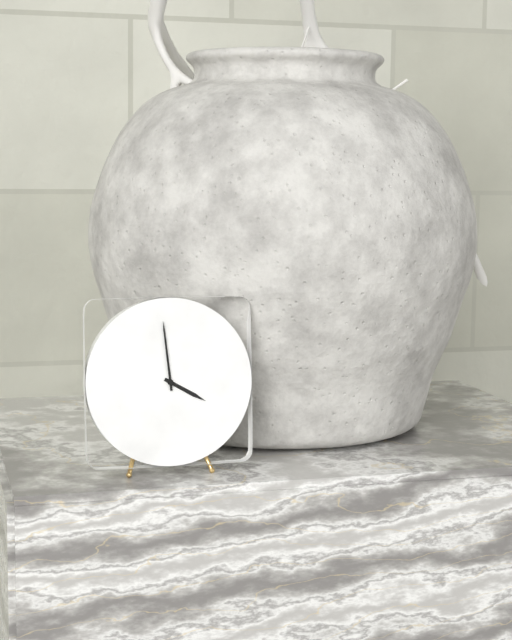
3h59
